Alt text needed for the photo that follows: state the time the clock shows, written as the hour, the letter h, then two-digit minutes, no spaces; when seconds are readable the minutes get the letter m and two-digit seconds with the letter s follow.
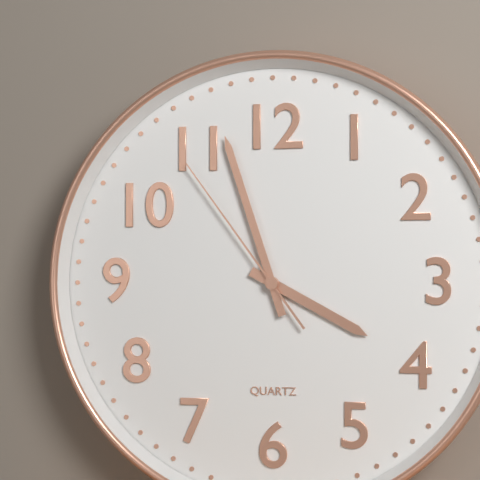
3h57m54s
